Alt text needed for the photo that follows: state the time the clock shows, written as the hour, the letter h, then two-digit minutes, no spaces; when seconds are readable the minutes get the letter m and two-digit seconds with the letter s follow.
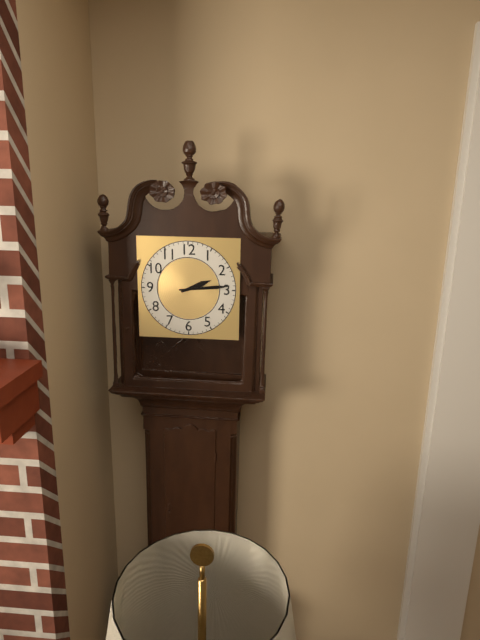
2h14
